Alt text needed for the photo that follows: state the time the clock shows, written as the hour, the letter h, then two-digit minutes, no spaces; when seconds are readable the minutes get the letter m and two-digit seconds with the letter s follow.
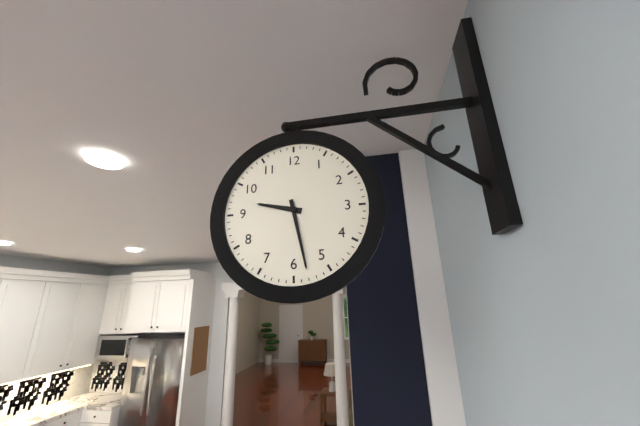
9h28
